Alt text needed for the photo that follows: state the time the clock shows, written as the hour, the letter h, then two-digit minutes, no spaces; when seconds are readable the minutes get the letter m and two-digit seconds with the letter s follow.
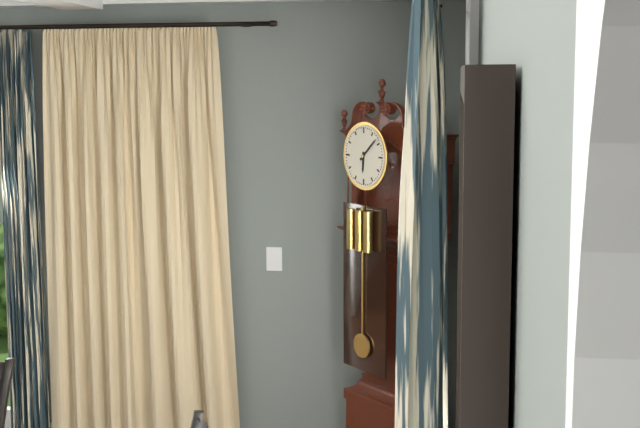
6h08
